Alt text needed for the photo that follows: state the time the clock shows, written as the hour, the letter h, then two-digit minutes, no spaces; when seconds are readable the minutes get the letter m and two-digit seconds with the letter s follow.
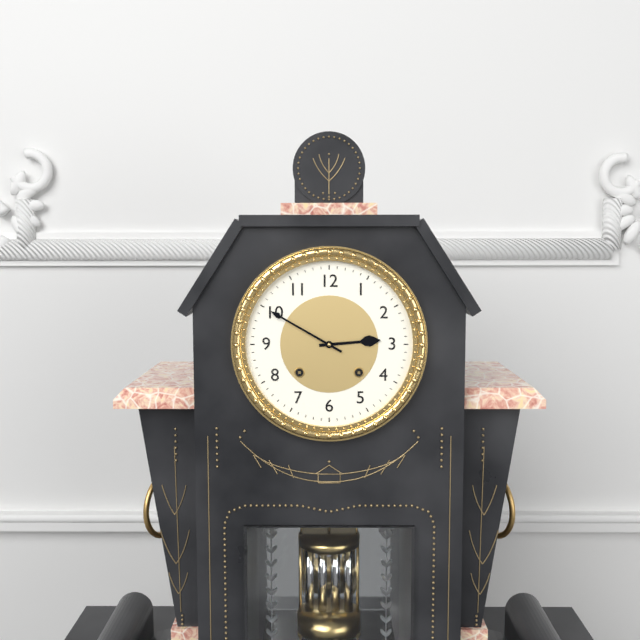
2h50
